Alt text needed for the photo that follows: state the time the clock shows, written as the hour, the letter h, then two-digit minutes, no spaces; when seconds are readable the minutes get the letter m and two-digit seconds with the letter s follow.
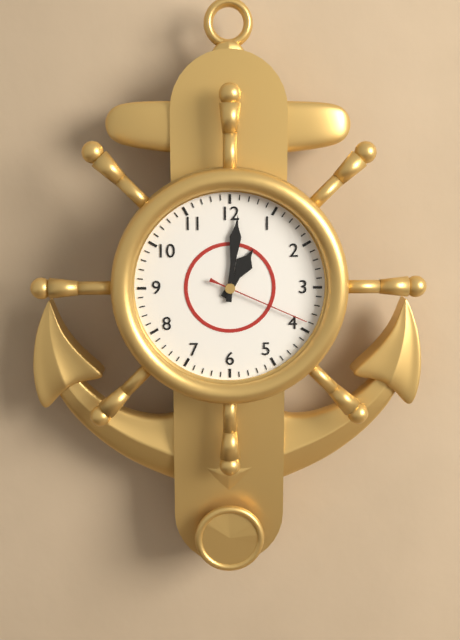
1h01m19s
